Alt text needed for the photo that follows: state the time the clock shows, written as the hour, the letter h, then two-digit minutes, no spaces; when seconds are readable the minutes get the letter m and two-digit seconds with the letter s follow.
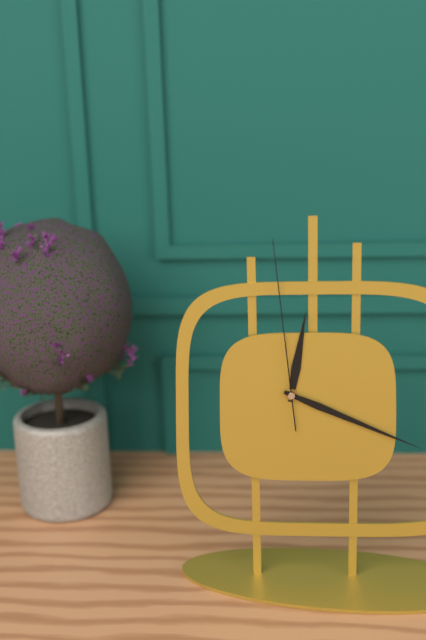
12h19m59s
